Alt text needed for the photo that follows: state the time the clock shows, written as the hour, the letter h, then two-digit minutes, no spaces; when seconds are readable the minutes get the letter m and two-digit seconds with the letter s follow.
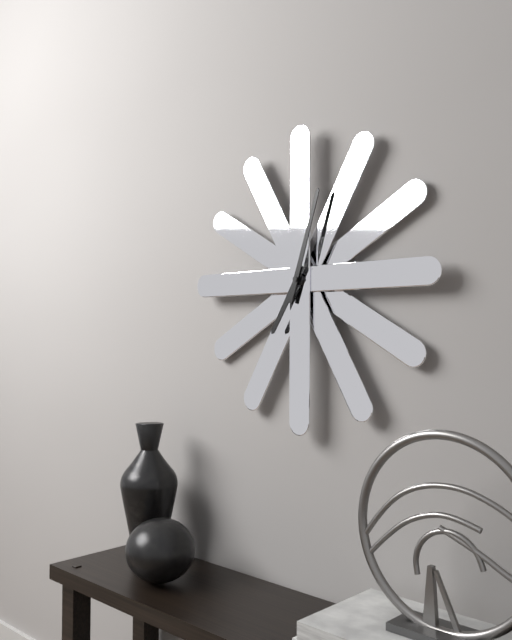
7h03
